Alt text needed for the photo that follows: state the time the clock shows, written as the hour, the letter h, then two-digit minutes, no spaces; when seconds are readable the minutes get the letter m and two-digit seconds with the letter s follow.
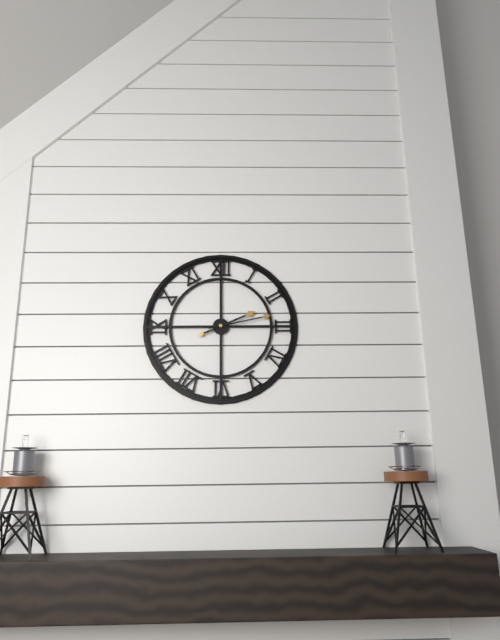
2h13
